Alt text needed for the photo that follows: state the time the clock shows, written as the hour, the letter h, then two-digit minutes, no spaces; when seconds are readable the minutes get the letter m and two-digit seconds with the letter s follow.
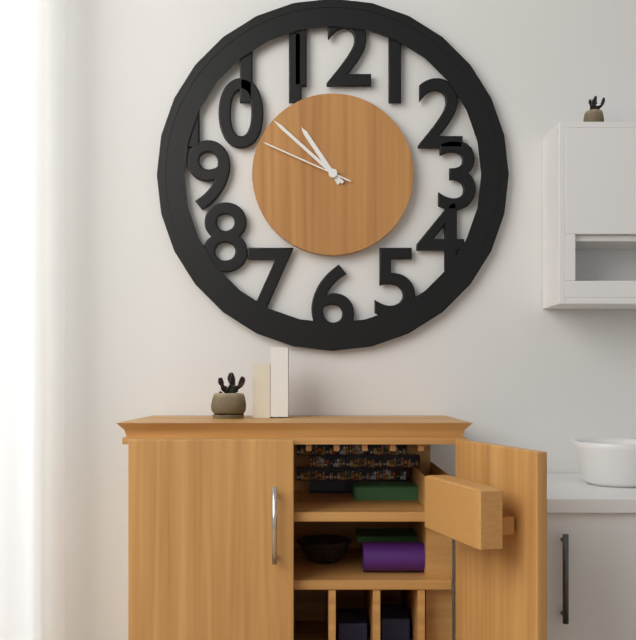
10h52m49s
